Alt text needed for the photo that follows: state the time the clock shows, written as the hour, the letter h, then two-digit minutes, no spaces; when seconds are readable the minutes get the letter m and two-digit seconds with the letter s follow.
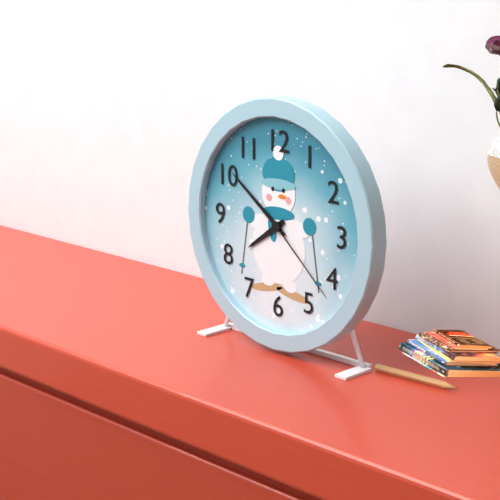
7h51m22s
